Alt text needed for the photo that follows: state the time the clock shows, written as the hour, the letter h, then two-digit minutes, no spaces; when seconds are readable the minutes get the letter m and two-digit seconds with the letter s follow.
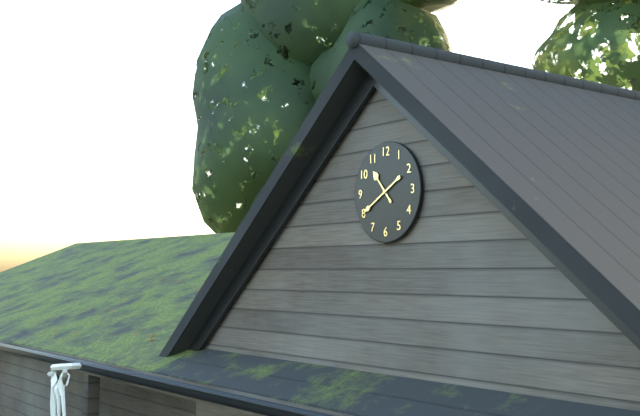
10h40
